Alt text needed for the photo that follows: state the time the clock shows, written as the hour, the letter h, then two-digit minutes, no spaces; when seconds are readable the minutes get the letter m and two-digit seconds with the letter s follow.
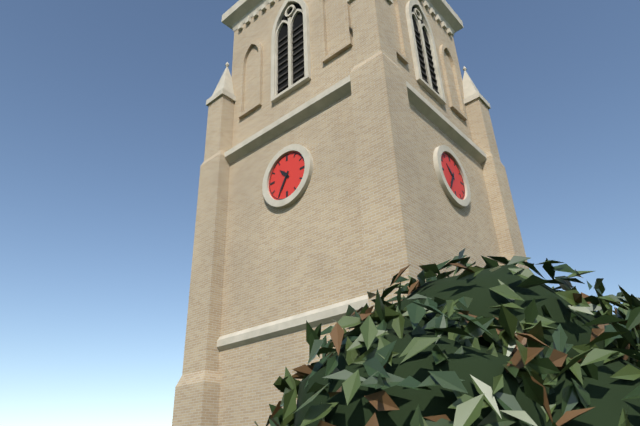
10h35
